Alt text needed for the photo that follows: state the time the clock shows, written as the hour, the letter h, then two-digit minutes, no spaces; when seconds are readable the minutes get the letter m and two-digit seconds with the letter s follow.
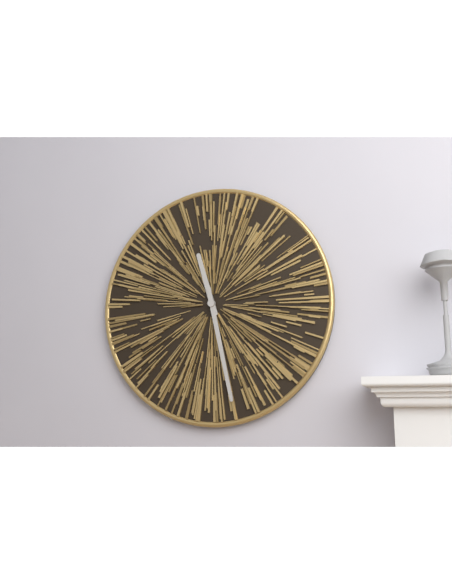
11h28
